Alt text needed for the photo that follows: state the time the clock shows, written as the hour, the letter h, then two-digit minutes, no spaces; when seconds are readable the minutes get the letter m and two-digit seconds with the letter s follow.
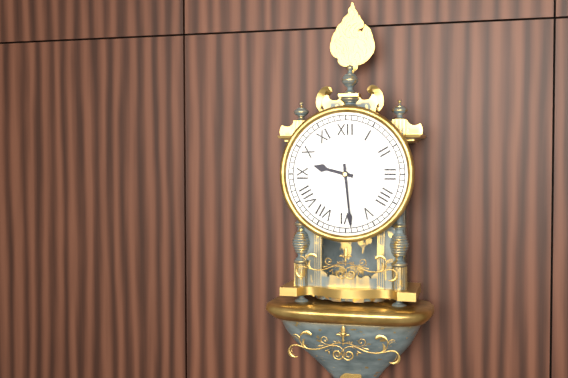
9h29
